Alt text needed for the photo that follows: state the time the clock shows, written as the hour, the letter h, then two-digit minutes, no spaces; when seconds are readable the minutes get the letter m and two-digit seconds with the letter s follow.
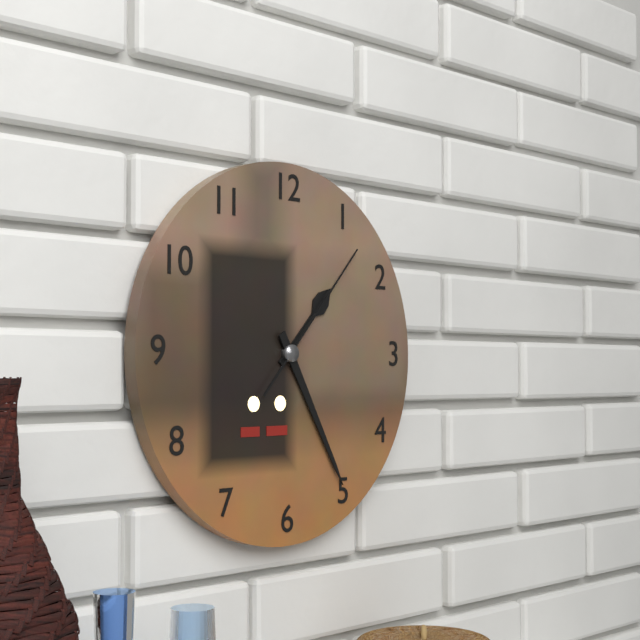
1h25m07s
